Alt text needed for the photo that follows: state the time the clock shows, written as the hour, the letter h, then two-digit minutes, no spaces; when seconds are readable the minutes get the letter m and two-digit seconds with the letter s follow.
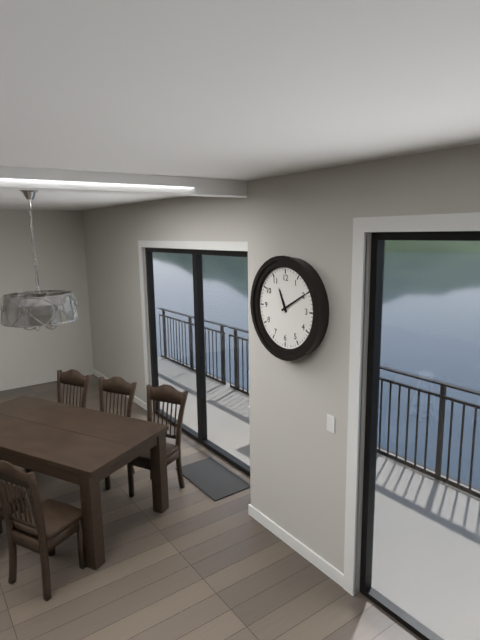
11h10
